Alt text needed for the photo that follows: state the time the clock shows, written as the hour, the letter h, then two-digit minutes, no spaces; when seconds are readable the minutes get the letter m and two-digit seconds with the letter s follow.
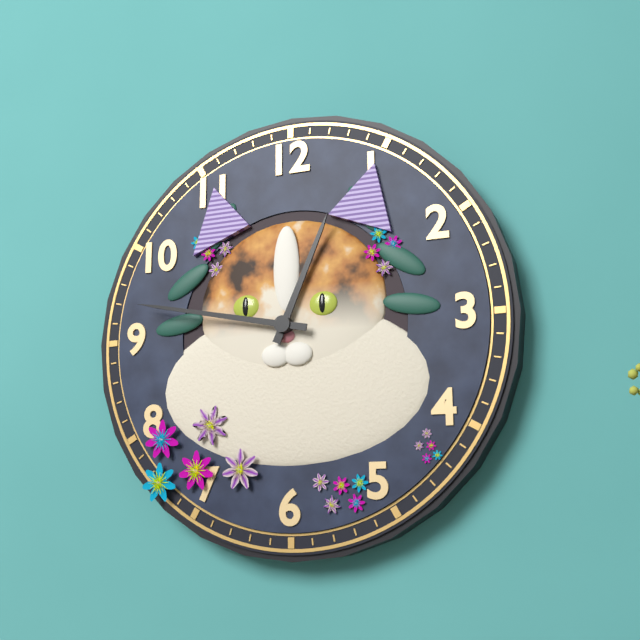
12h47
